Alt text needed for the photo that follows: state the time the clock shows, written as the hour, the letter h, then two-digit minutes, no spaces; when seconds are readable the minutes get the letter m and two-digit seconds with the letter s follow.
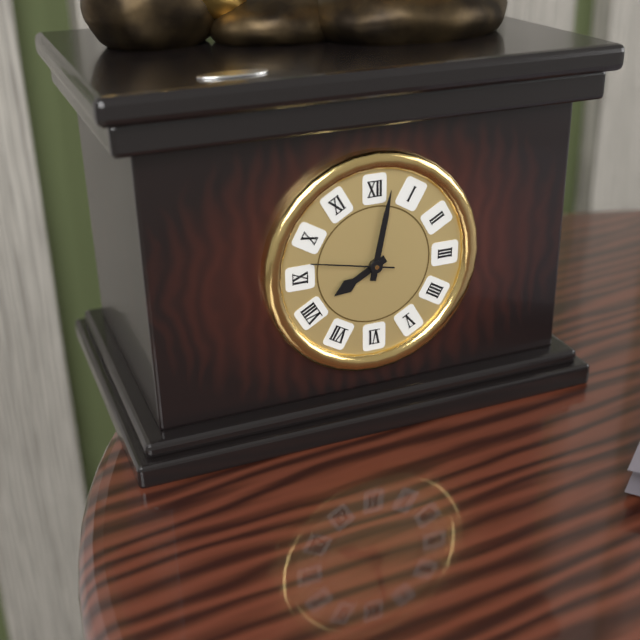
8h02m47s
